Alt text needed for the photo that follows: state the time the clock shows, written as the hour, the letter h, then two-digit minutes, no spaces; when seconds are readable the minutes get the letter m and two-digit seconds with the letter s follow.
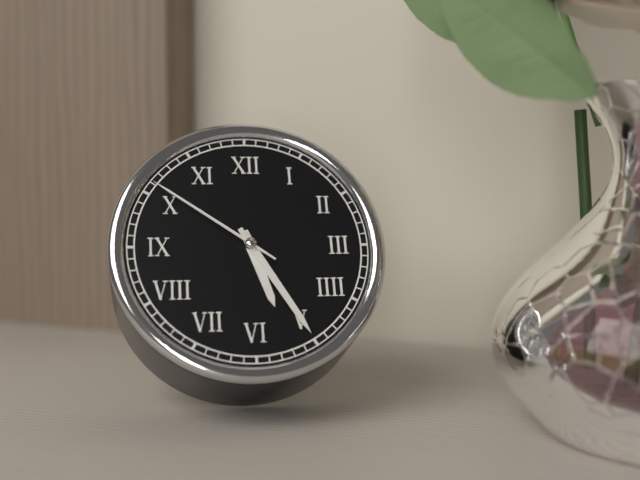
5h25m51s
